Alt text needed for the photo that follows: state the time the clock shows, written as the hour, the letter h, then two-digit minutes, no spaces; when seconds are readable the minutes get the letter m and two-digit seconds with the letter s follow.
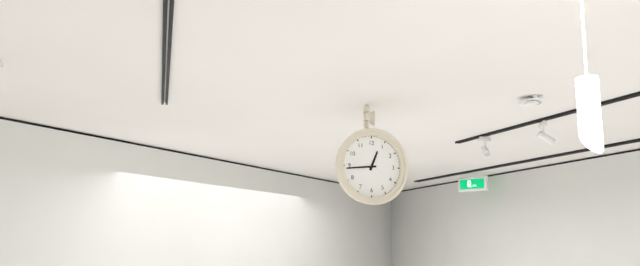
12h44
